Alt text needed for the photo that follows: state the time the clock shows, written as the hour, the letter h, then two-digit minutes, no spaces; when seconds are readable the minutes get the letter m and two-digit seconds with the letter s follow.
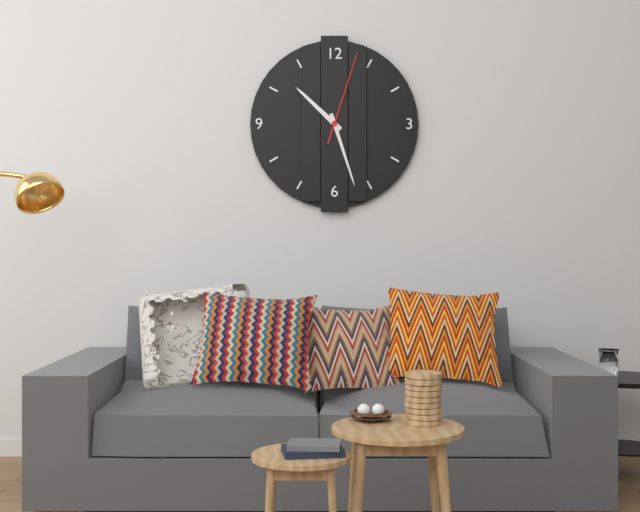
10h27m03s
